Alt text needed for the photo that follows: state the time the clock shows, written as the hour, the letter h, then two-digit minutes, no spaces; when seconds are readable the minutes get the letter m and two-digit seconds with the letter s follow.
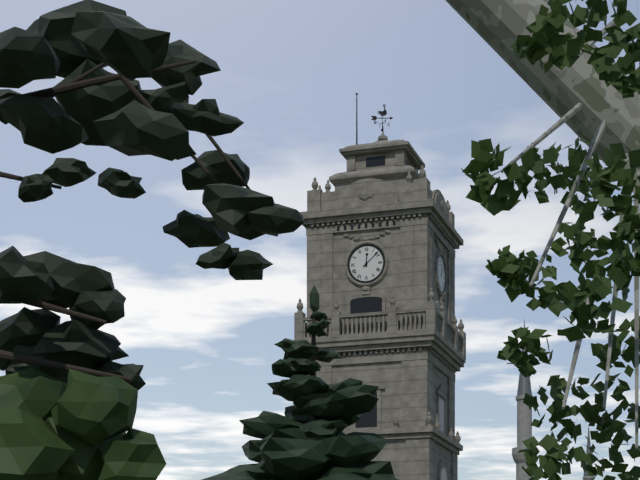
12h08
